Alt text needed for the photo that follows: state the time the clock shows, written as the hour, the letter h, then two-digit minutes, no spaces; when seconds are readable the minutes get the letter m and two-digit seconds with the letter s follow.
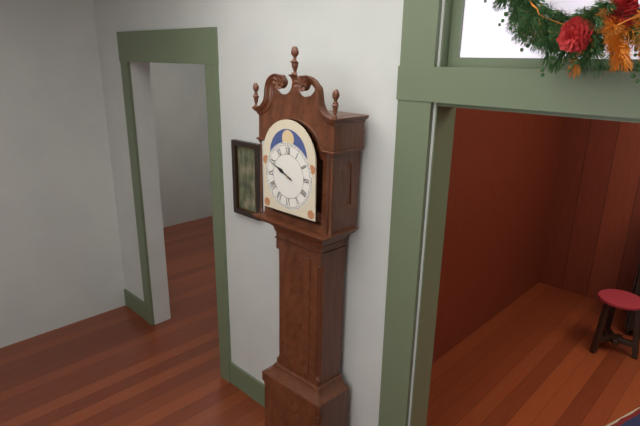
9h49
